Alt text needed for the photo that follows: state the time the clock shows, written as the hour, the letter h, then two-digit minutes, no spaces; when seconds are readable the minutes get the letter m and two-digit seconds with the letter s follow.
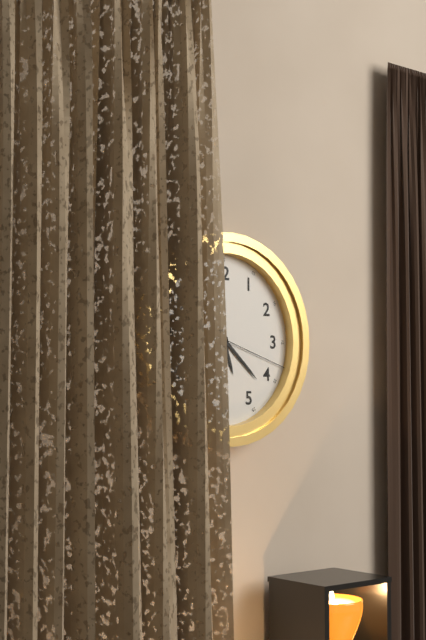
5h22m18s
